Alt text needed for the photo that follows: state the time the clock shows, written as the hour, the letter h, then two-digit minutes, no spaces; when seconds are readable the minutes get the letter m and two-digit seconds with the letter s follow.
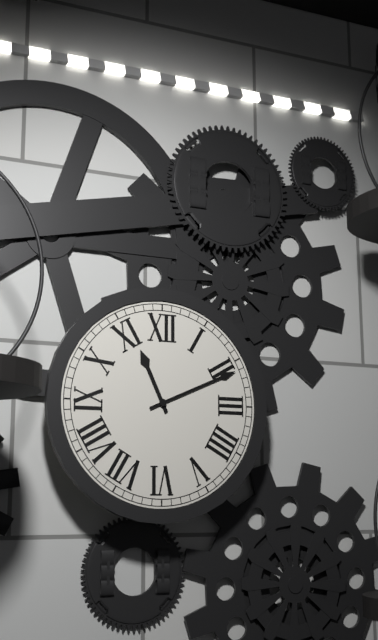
11h11
